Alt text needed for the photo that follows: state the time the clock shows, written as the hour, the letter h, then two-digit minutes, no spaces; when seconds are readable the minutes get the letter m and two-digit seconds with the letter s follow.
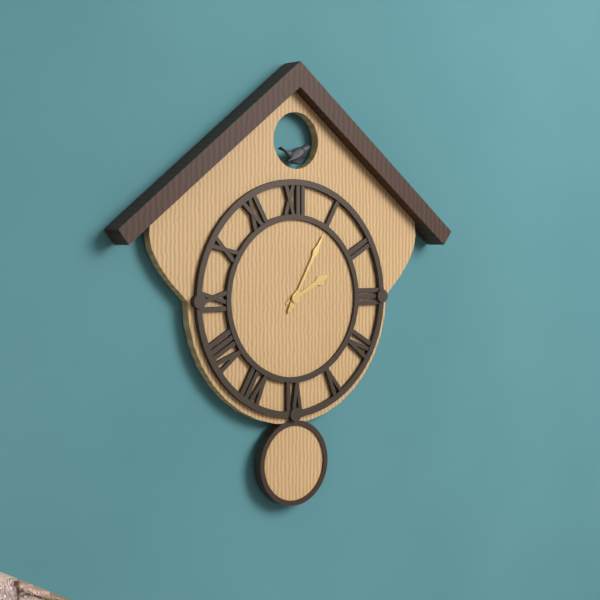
2h05
